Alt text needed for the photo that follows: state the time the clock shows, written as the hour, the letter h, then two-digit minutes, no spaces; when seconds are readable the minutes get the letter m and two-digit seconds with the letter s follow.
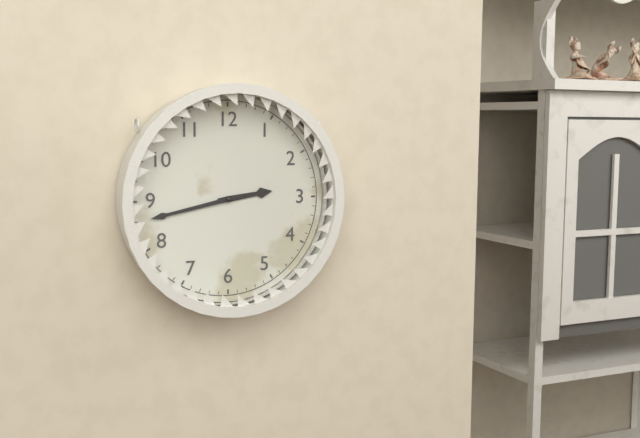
2h43
